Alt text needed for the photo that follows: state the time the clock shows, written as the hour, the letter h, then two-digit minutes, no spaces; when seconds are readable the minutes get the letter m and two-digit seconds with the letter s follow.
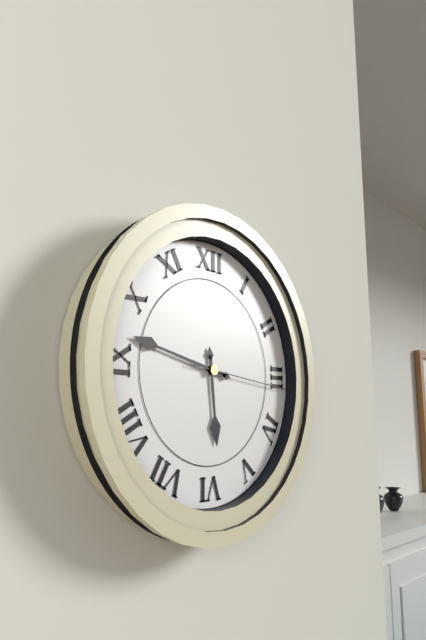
5h47m16s
